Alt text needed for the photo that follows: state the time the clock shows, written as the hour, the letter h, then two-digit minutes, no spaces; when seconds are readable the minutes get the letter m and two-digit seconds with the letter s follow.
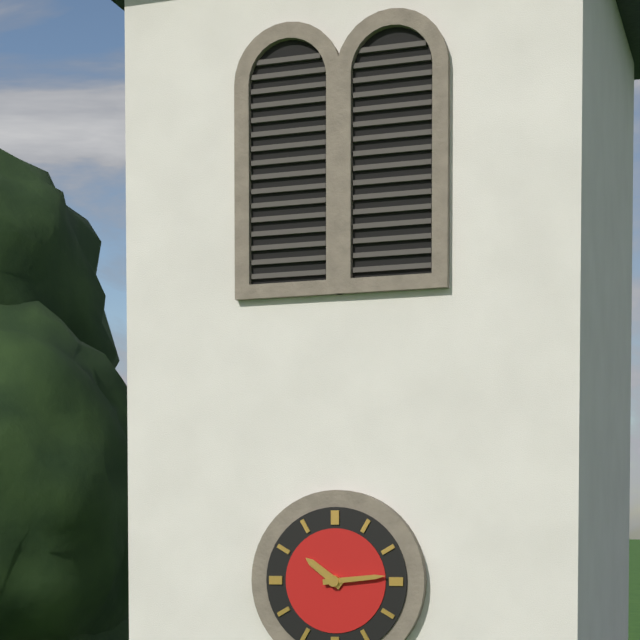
10h14
